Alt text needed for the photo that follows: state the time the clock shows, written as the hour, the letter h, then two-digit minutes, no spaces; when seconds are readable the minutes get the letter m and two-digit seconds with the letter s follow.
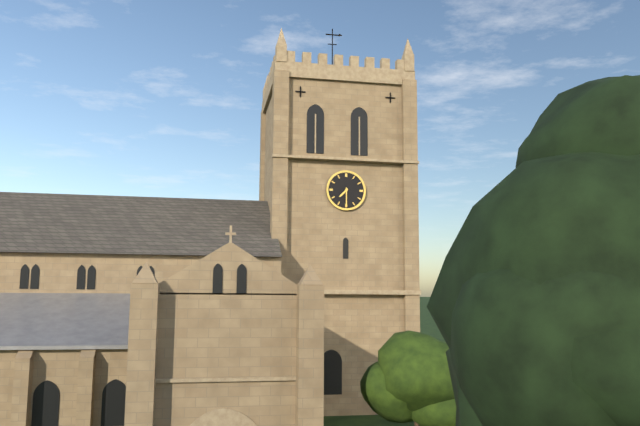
7h30
